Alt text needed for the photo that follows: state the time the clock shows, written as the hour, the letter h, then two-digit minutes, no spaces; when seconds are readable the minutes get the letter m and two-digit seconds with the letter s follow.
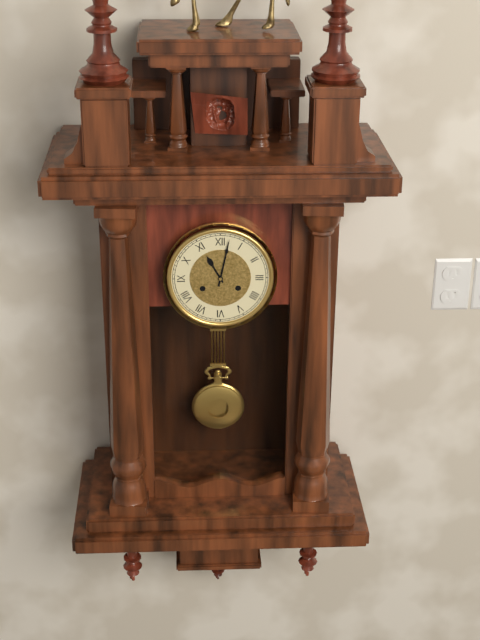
11h02
